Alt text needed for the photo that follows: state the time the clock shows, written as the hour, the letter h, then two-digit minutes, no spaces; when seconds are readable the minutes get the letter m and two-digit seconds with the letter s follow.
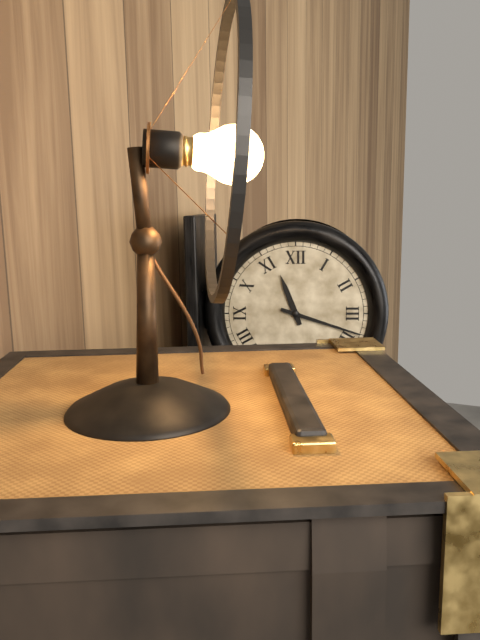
11h18
